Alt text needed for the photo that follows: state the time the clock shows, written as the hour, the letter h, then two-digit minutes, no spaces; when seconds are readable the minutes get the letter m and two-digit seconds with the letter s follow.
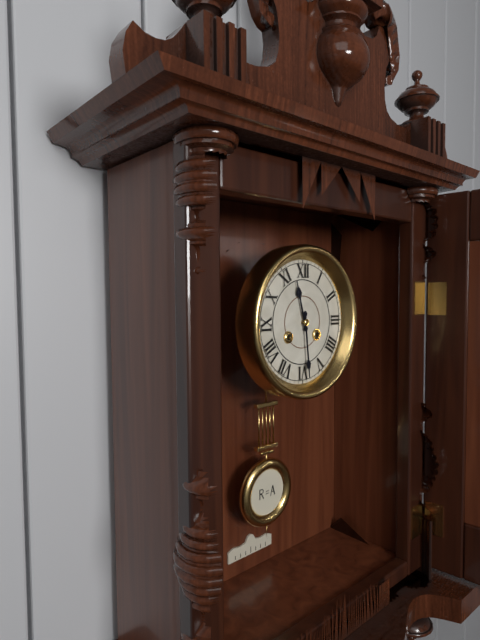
11h29
